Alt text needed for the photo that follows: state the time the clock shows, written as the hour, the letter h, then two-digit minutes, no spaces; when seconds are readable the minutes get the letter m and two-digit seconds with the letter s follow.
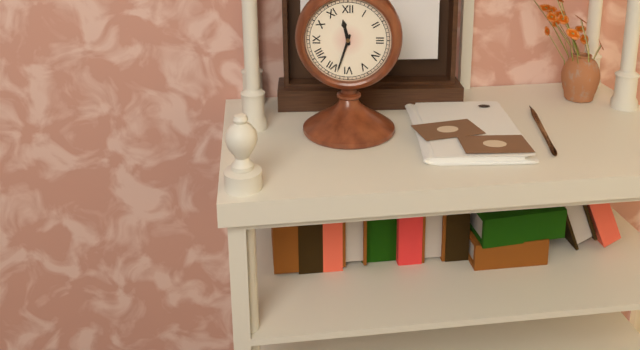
11h33
